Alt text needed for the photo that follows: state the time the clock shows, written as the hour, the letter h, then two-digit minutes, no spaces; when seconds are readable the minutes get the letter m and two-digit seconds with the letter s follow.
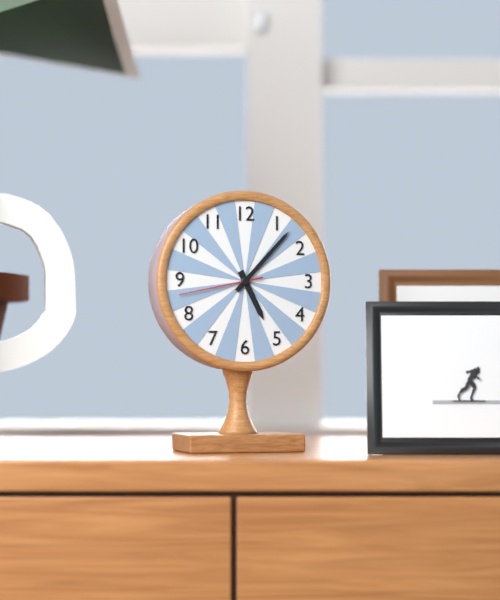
5h07m43s
